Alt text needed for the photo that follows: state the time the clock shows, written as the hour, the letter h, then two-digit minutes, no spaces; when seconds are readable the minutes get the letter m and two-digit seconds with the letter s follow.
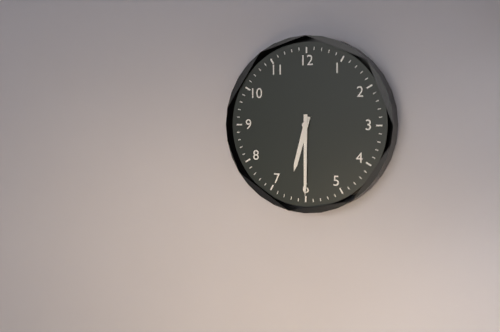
6h30
